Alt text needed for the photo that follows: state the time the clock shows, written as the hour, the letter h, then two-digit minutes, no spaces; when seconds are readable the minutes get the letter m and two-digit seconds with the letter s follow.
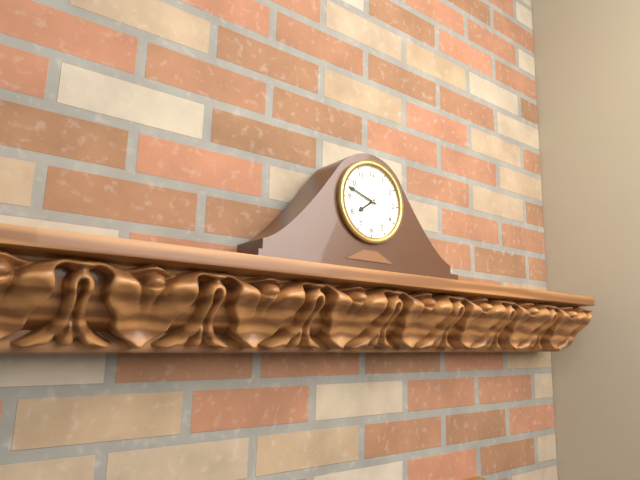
7h48
